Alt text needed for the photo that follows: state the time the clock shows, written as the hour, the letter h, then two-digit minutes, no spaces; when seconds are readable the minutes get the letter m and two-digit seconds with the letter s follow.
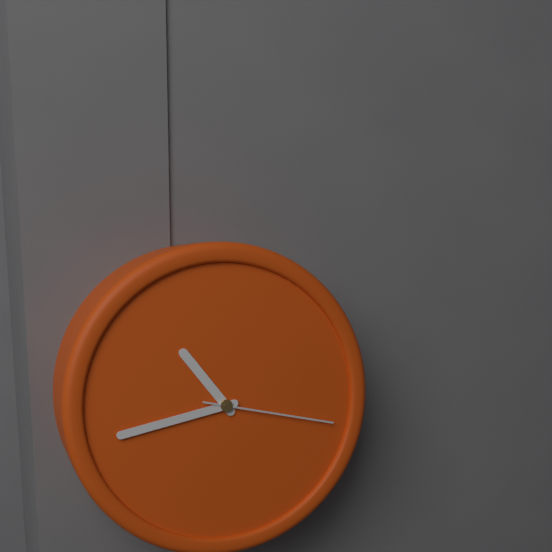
10h43m17s
